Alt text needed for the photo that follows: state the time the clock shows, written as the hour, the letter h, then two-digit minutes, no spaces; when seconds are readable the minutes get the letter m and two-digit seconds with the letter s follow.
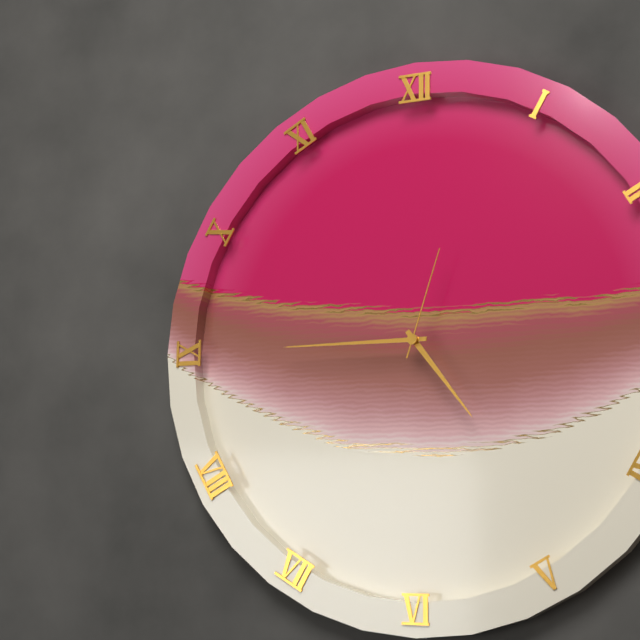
4h45m03s
